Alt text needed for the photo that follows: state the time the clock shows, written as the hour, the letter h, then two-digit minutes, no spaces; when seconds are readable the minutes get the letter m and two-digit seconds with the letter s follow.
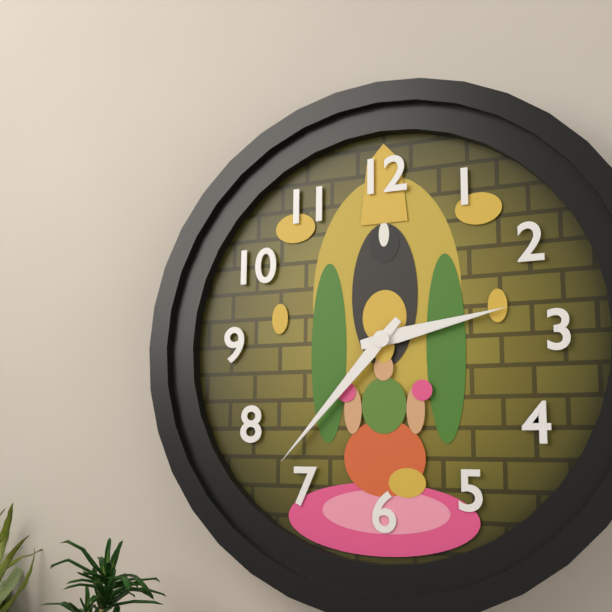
2h37
